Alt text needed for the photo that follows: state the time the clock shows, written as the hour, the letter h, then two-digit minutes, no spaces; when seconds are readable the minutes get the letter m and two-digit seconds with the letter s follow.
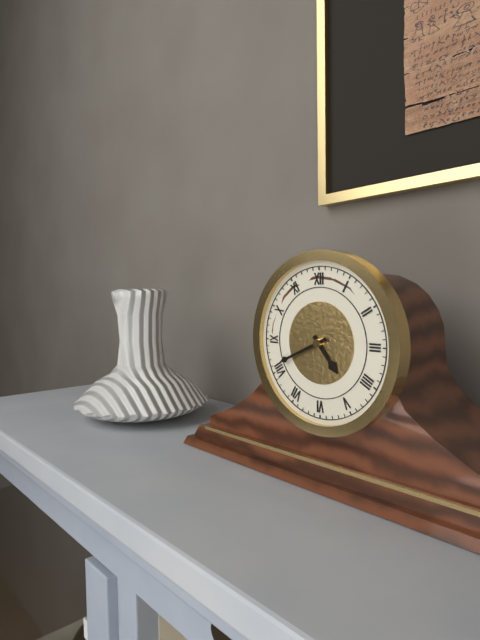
4h41
